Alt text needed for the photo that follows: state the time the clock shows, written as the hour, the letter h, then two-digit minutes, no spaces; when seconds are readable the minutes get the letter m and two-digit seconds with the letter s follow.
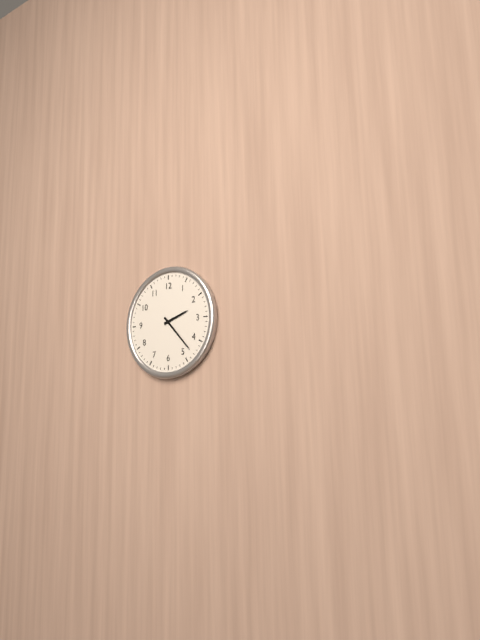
2h23
